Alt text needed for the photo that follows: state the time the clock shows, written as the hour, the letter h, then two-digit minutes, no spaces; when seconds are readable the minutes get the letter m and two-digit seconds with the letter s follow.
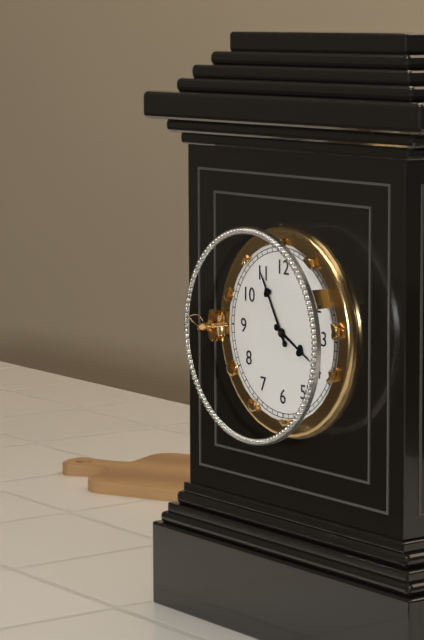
3h55
